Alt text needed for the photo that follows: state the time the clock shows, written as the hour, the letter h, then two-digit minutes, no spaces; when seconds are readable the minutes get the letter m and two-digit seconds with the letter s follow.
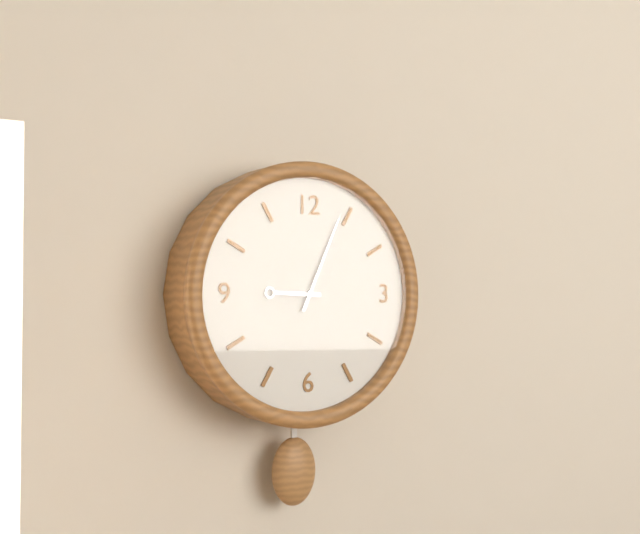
9h04
